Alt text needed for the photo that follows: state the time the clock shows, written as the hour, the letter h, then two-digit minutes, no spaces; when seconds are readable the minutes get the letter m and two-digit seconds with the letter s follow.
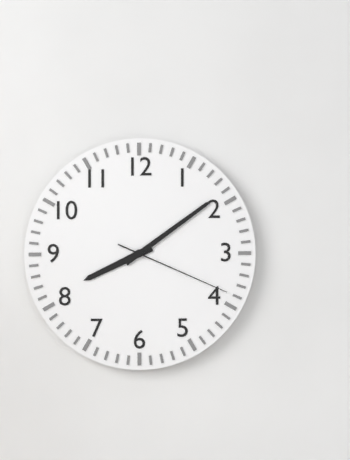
8h09m19s
